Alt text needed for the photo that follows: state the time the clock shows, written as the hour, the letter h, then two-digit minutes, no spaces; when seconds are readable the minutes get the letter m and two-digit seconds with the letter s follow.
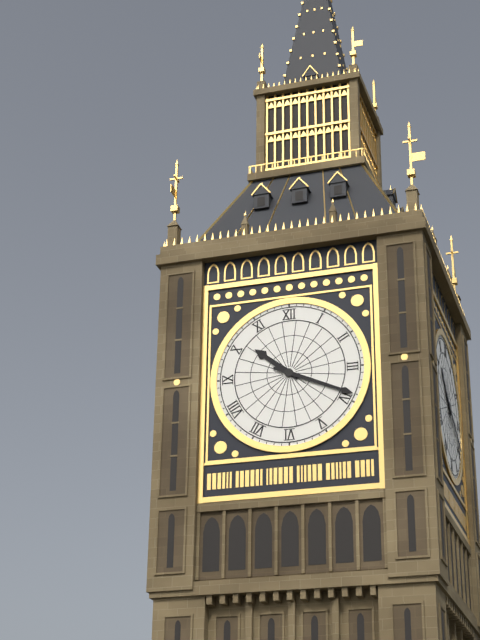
10h19
